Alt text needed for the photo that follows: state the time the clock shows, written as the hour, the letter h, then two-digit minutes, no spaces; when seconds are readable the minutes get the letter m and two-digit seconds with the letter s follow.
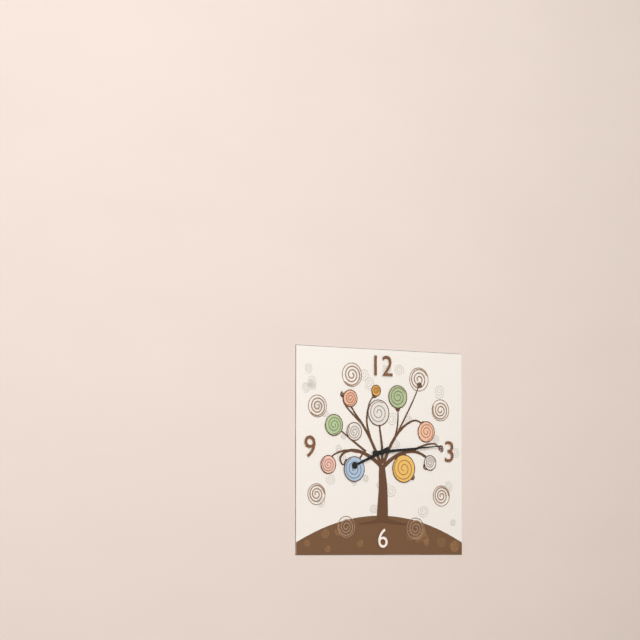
8h14
